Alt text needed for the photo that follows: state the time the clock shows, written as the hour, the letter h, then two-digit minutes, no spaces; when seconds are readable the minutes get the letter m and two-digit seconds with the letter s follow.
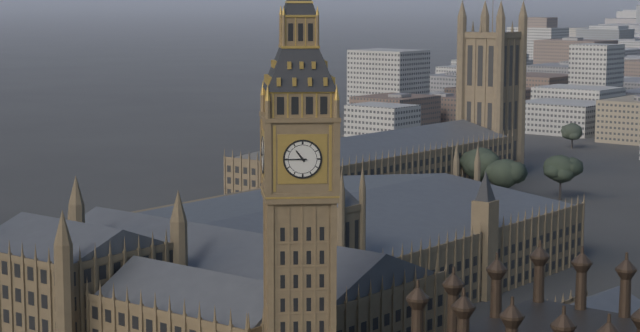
10h45
